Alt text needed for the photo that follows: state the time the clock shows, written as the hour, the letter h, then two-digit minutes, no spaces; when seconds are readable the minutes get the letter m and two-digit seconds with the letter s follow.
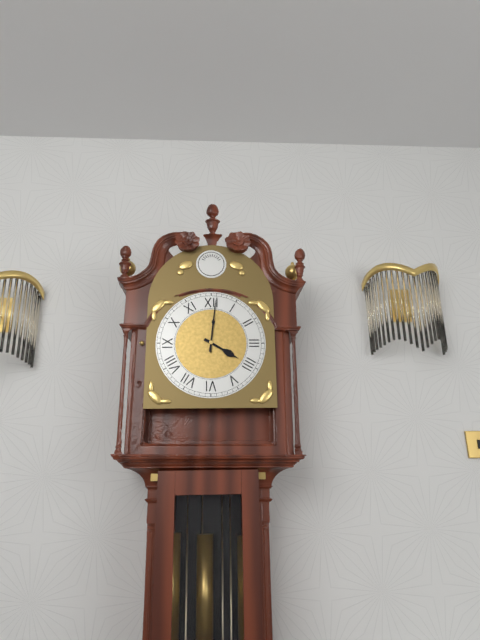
4h01
